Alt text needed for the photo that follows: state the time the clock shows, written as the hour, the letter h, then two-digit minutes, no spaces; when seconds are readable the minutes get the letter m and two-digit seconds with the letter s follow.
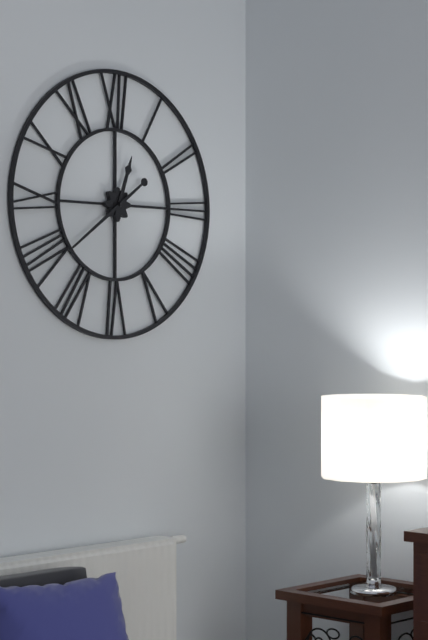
12h39
